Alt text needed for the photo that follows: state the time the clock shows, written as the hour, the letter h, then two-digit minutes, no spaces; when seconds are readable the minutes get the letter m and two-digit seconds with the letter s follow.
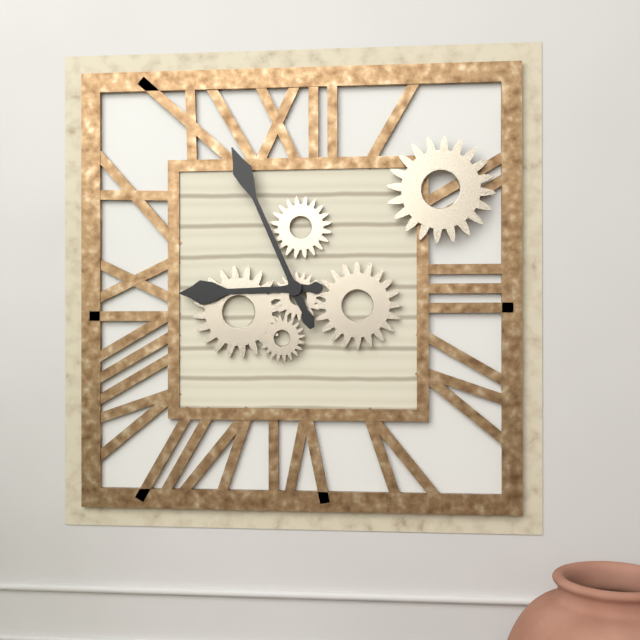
8h56
